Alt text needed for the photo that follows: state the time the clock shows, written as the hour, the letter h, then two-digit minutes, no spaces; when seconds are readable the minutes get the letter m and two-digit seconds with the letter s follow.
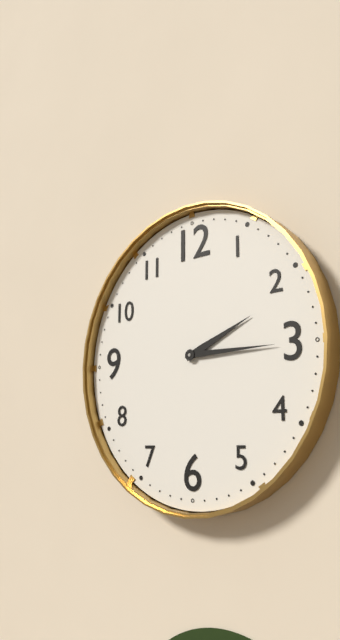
2h15
